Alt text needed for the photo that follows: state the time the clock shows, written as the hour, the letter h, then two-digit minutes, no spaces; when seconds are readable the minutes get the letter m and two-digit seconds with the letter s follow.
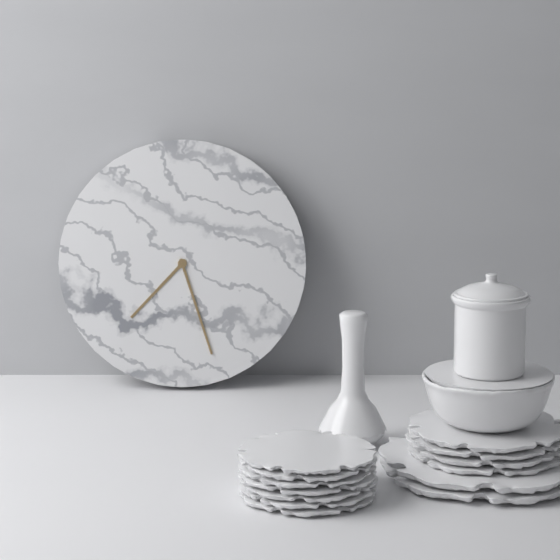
7h27
